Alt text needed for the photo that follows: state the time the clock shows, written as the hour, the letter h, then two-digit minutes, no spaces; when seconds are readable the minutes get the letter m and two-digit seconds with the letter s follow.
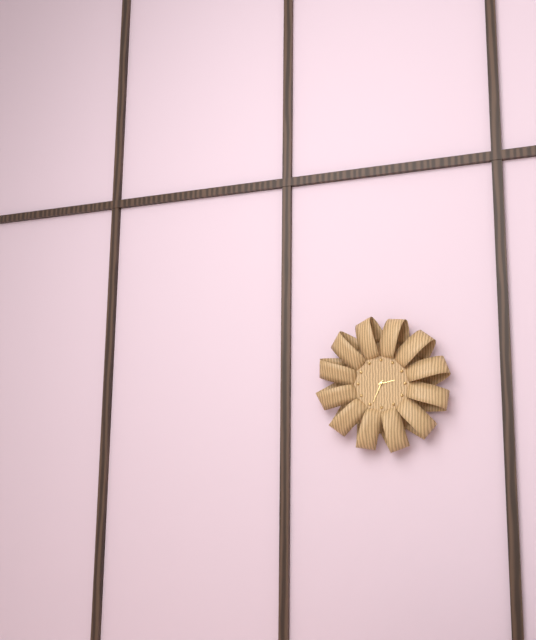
2h34
